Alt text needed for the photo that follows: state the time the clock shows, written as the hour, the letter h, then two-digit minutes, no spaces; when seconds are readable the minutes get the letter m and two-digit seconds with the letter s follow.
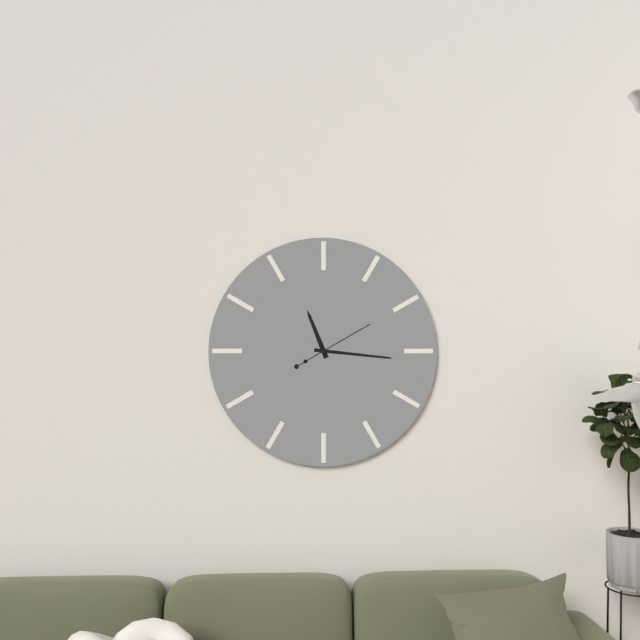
11h16m10s
